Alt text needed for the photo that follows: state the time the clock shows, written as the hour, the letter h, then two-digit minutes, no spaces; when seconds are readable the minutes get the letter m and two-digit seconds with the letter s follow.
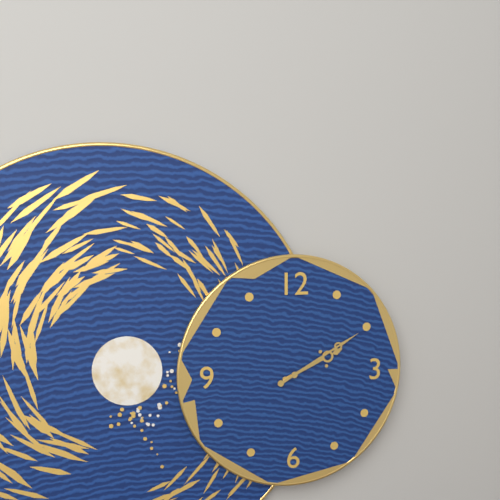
2h10
